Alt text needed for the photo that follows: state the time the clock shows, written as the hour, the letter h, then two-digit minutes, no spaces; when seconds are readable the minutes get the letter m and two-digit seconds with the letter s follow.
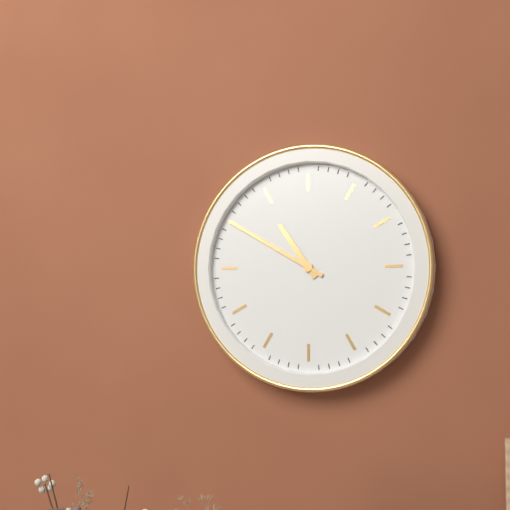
10h50
